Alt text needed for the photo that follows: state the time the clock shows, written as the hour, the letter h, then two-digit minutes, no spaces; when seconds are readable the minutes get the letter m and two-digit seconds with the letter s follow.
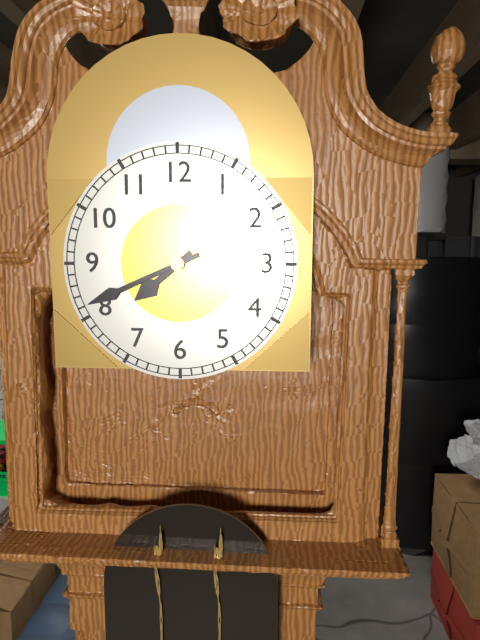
7h41
